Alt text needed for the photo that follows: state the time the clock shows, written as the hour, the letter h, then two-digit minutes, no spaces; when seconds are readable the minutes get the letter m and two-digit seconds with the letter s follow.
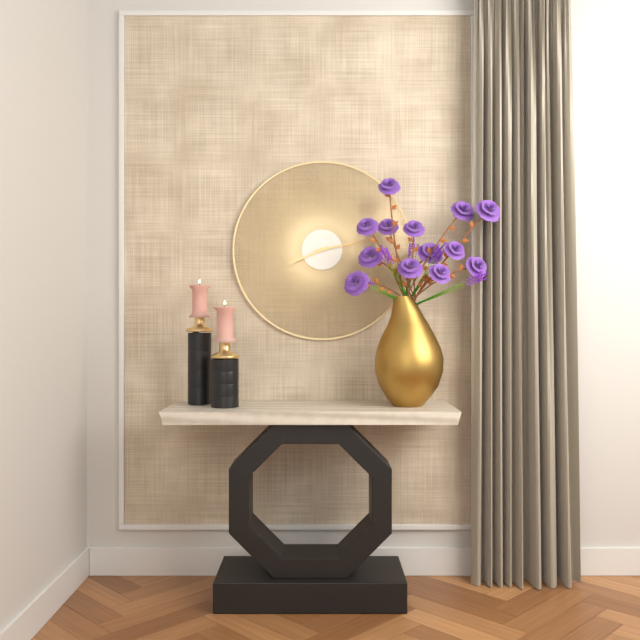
8h13
